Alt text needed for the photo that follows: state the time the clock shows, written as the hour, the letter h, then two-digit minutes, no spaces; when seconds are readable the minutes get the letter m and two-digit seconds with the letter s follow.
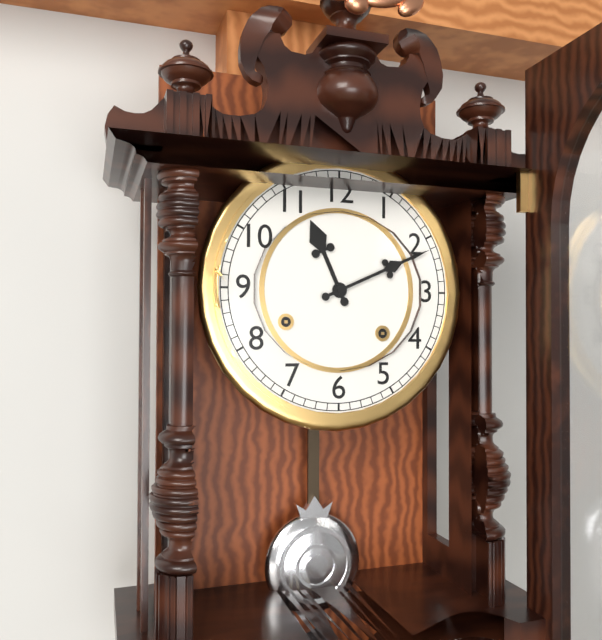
11h11
